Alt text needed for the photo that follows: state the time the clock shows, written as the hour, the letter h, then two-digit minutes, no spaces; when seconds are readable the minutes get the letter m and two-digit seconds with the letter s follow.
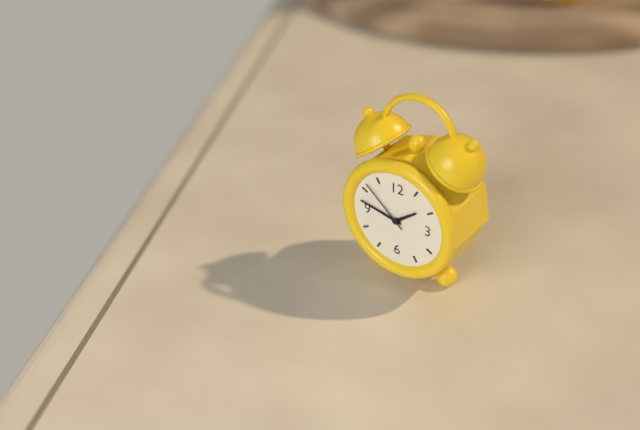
1h47m52s
